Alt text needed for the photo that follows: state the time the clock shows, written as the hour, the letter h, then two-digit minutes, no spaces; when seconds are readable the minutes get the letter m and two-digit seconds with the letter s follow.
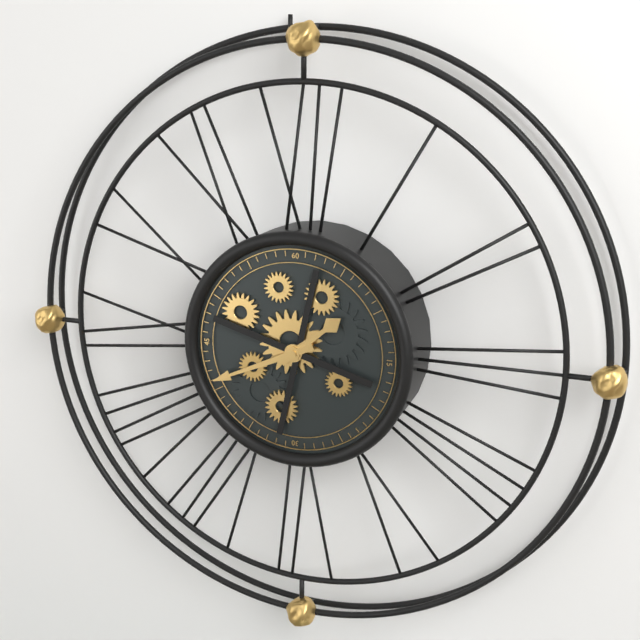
1h41
